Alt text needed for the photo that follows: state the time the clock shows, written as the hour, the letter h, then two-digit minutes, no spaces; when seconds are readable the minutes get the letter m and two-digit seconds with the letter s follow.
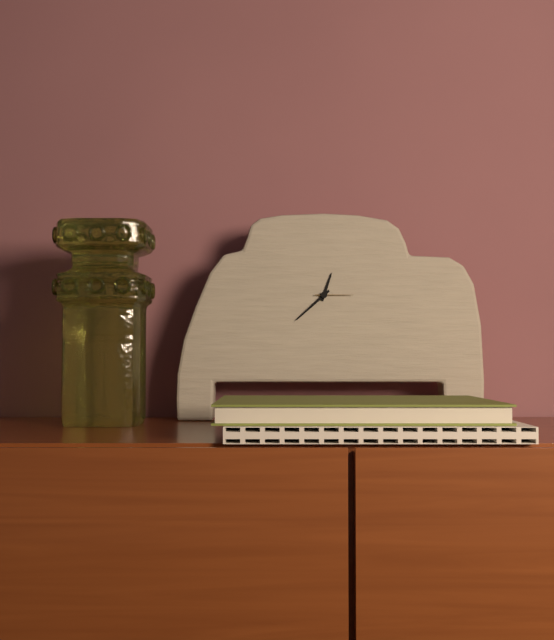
12h38
